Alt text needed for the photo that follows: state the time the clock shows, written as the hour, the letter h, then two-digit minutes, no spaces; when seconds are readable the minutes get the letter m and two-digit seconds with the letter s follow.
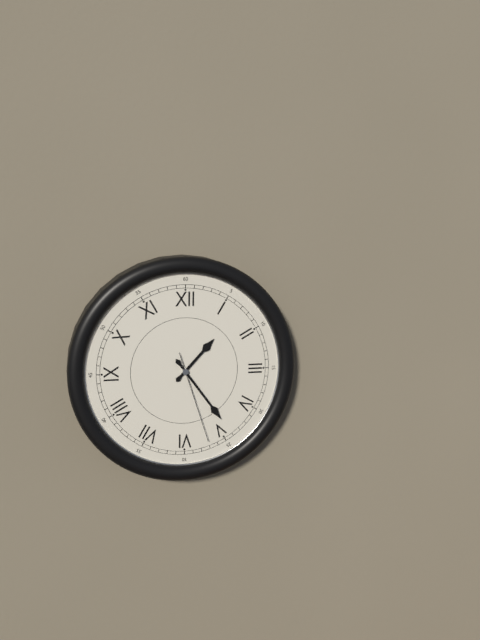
1h24m27s
